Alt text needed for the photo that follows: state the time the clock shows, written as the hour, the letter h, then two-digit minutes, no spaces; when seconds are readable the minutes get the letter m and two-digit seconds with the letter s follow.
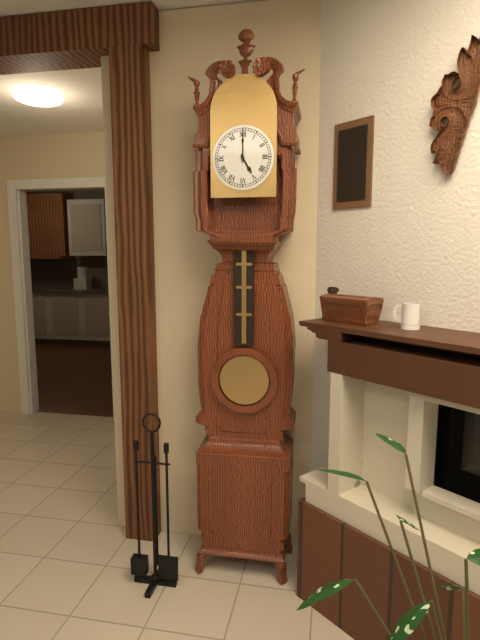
5h00
